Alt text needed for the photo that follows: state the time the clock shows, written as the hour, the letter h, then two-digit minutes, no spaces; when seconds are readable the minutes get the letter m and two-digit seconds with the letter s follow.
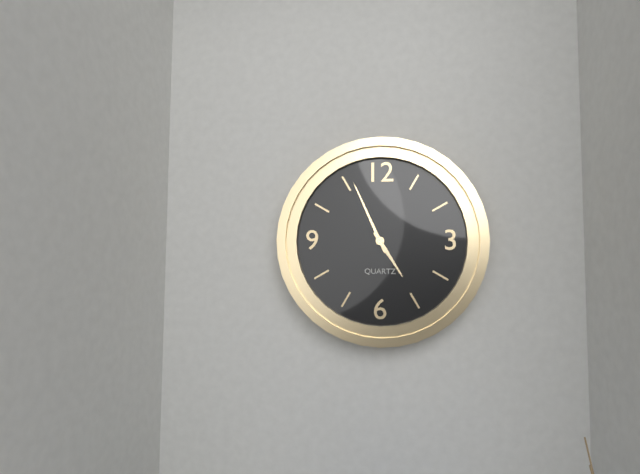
4h56
